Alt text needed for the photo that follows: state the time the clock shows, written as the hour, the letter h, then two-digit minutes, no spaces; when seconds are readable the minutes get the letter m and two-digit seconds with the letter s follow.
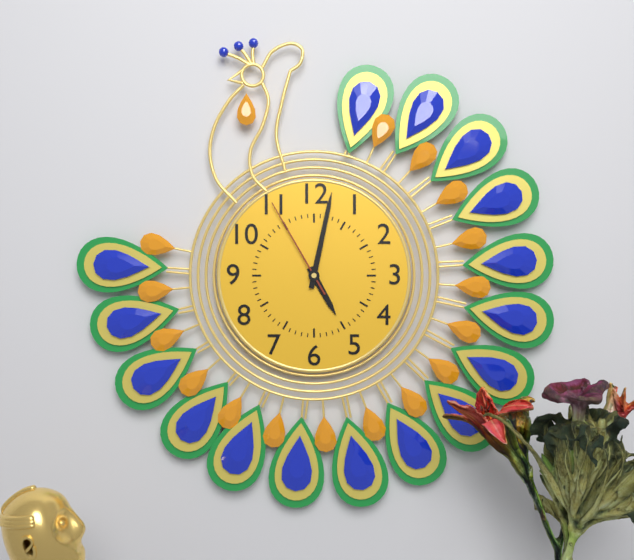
5h02m55s
